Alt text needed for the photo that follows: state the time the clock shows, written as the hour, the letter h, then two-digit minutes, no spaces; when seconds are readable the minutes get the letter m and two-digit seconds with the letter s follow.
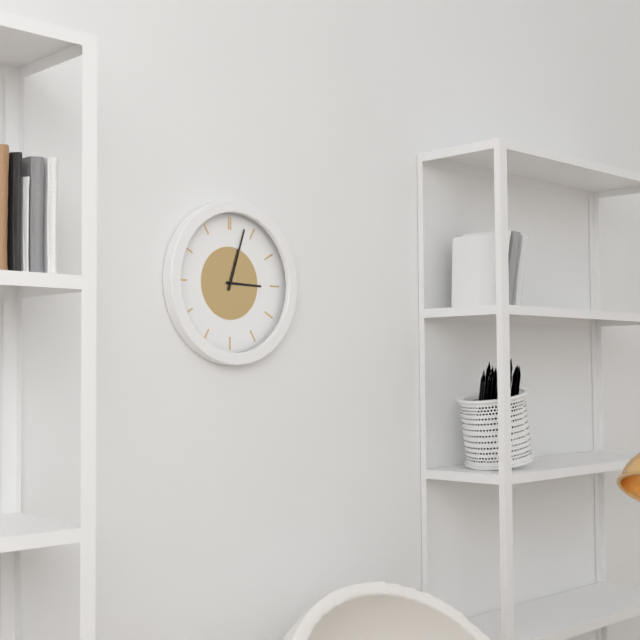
3h03
